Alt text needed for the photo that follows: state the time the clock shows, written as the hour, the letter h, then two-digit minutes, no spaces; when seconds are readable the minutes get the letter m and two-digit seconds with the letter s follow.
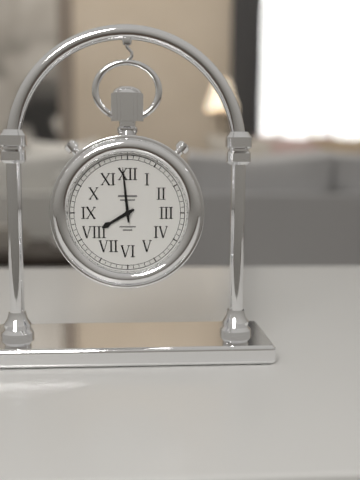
7h59
